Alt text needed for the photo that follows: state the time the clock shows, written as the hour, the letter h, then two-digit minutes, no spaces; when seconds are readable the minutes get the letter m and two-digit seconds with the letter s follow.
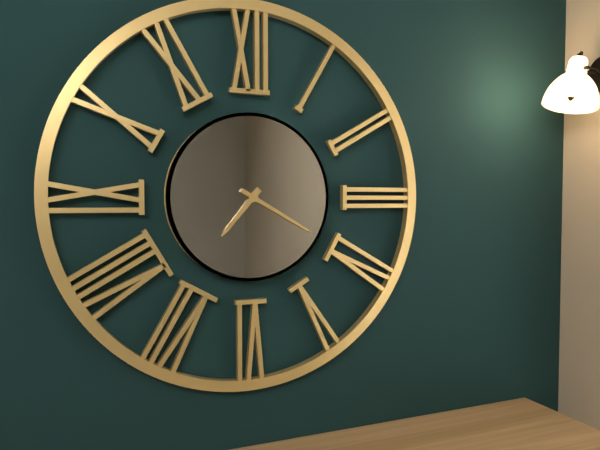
7h20
